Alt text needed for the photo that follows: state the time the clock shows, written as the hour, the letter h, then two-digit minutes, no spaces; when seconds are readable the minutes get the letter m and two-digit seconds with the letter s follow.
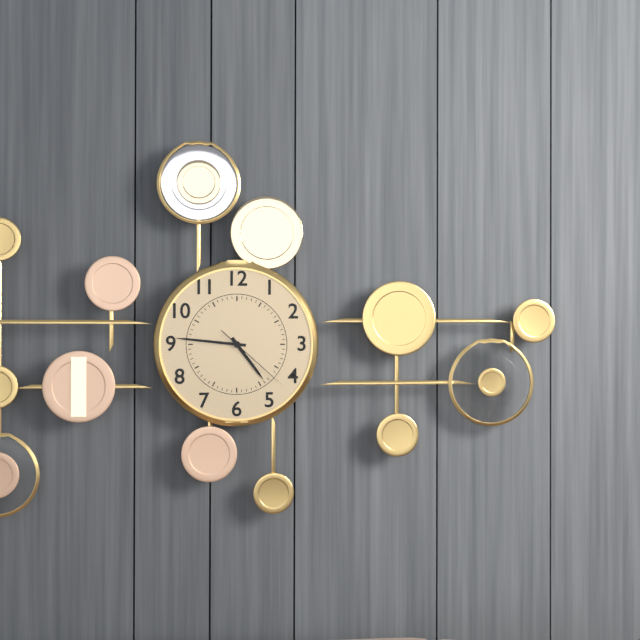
4h46m22s
